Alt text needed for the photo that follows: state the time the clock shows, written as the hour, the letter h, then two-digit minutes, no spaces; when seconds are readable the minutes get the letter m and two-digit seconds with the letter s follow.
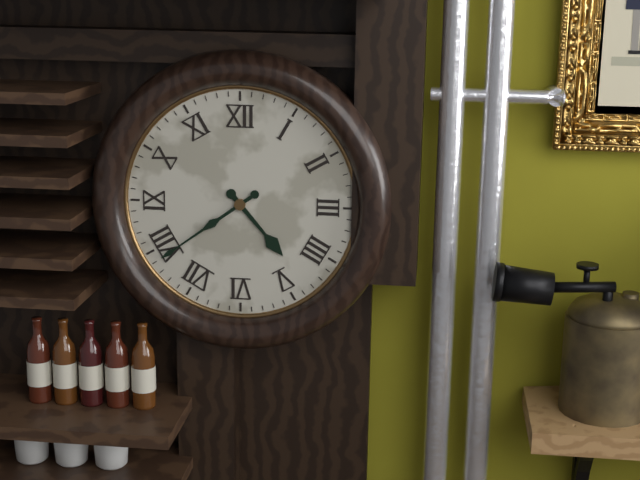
4h39
